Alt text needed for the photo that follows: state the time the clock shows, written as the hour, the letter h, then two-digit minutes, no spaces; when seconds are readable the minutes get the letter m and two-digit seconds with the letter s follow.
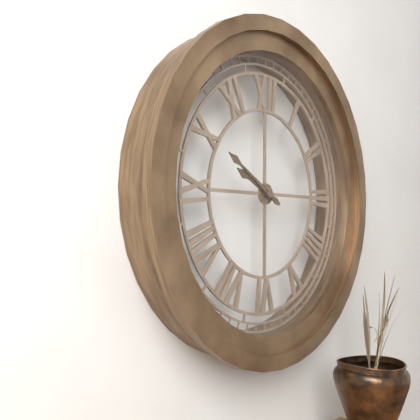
9h50
